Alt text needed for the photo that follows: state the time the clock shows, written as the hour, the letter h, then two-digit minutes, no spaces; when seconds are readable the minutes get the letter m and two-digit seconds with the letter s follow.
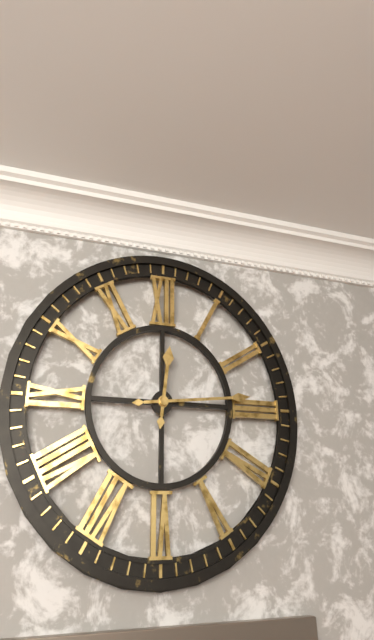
12h14
